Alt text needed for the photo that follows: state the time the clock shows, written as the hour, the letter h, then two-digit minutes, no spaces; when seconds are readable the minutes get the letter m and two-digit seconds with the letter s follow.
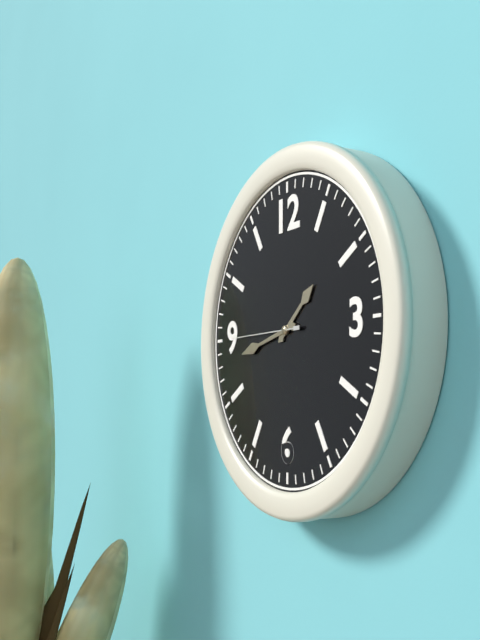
1h43m45s
